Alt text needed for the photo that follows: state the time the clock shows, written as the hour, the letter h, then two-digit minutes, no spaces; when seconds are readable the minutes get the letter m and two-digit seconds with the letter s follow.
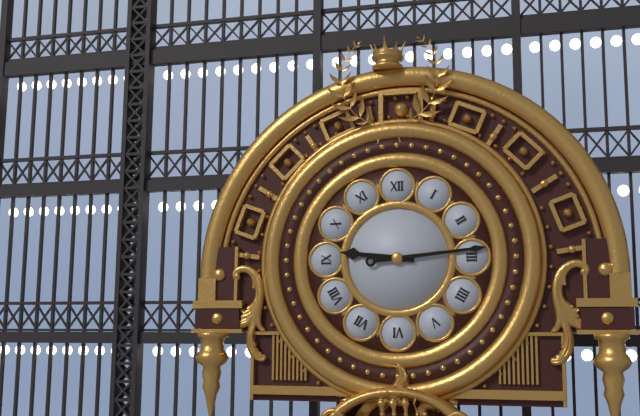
9h14
